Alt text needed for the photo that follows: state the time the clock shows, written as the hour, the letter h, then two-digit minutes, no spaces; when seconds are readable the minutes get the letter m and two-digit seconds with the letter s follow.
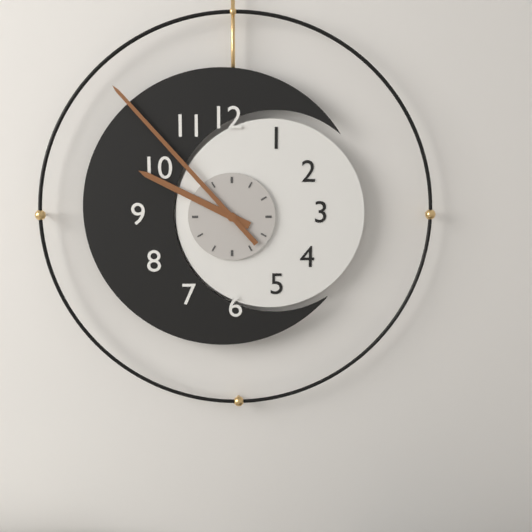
9h53
